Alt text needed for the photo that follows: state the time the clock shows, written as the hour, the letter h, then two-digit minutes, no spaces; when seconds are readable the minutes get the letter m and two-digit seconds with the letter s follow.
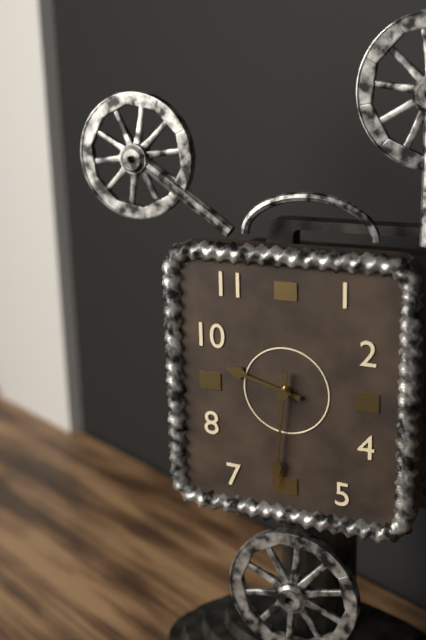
9h31
